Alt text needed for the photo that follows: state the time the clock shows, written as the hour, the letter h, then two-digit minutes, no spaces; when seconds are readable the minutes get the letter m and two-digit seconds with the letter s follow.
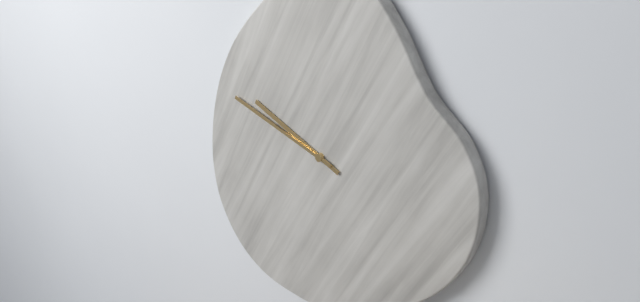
9h48
